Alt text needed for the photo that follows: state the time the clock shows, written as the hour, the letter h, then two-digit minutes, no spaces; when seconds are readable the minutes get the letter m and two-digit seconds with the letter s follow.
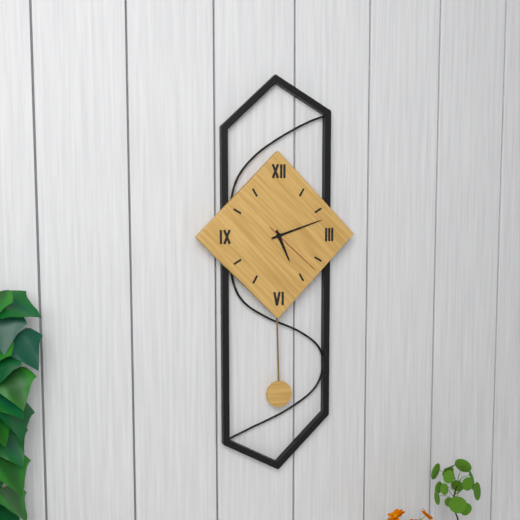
5h12m22s
